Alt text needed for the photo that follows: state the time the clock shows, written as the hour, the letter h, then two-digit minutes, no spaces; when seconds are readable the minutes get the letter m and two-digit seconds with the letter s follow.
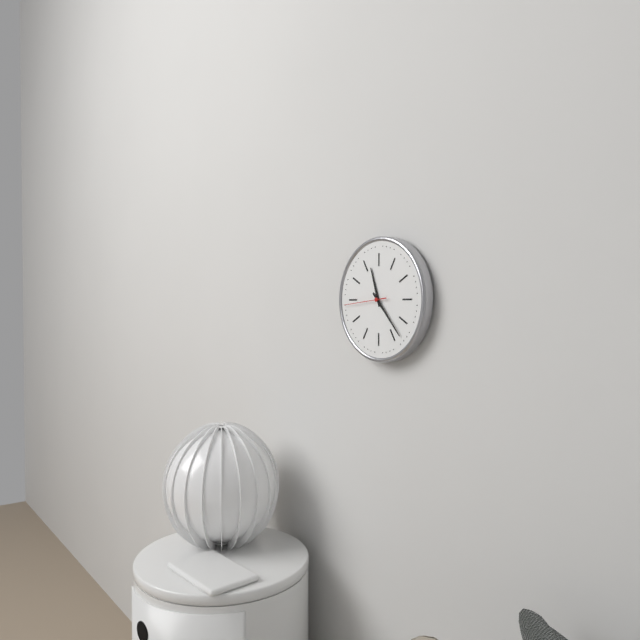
11h23
